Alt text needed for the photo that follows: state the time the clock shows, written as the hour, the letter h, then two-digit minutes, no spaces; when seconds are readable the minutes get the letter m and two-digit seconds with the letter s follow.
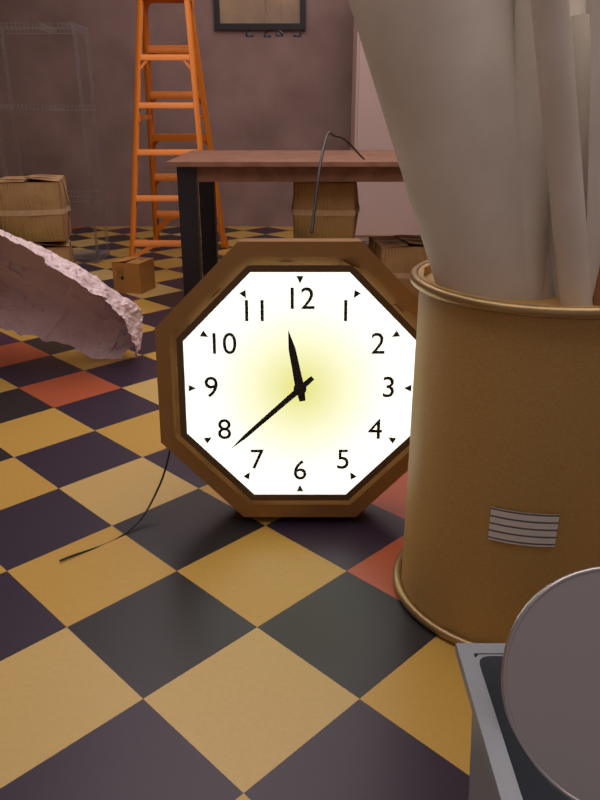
11h38
